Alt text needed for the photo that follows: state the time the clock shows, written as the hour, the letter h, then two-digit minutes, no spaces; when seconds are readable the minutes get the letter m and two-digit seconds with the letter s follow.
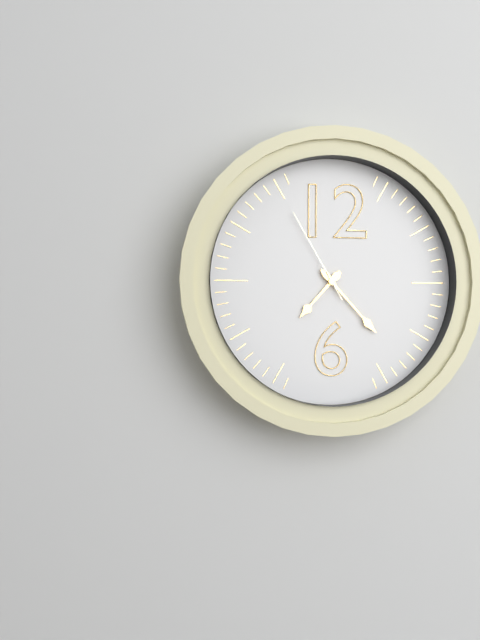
7h23m55s
